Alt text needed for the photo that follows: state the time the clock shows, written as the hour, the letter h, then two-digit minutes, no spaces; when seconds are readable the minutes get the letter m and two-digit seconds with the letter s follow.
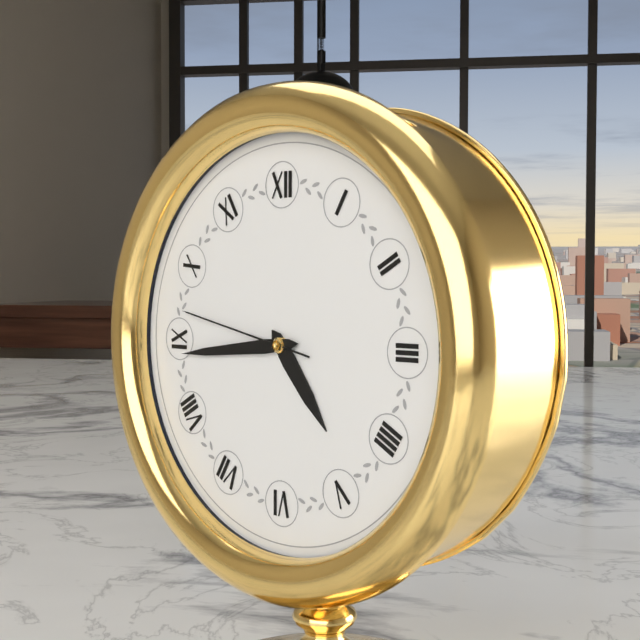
4h44m47s
